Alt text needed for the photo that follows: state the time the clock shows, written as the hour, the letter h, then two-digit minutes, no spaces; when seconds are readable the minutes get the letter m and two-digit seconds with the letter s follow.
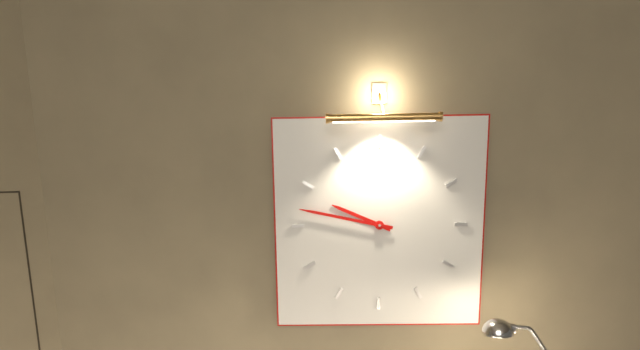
9h47
